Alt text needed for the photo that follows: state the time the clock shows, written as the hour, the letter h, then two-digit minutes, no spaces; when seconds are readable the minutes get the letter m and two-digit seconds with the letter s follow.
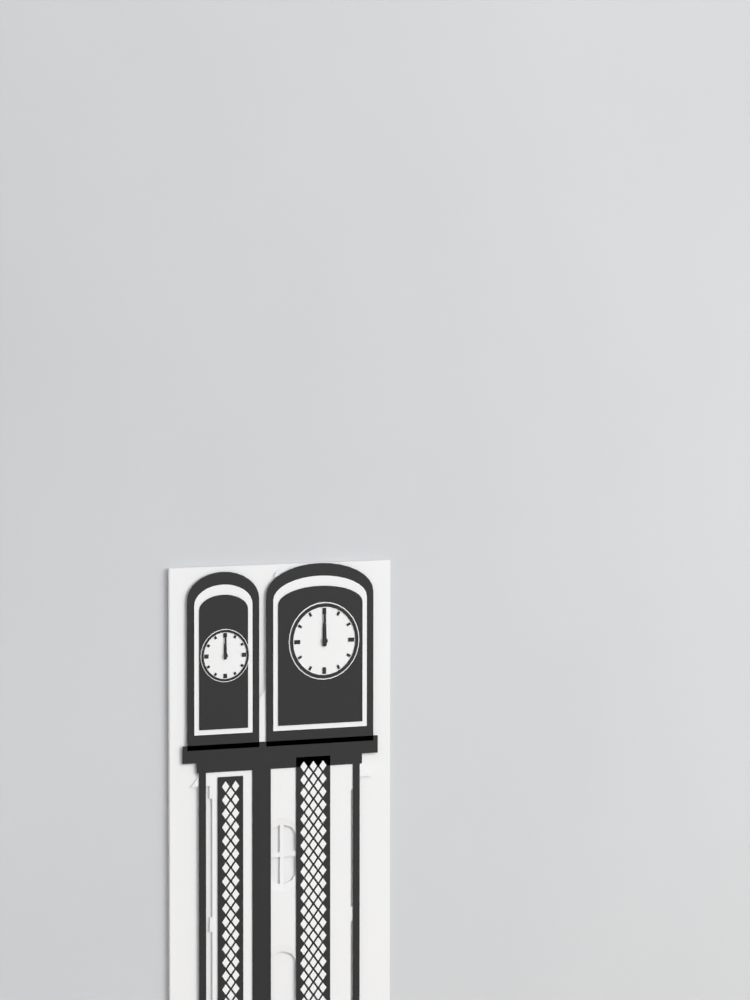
12h00
